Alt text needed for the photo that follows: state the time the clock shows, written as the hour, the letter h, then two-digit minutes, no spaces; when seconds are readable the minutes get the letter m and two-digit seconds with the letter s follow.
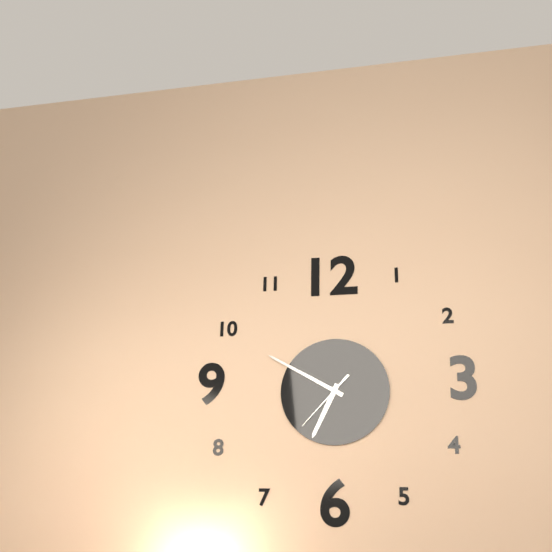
6h50m37s
